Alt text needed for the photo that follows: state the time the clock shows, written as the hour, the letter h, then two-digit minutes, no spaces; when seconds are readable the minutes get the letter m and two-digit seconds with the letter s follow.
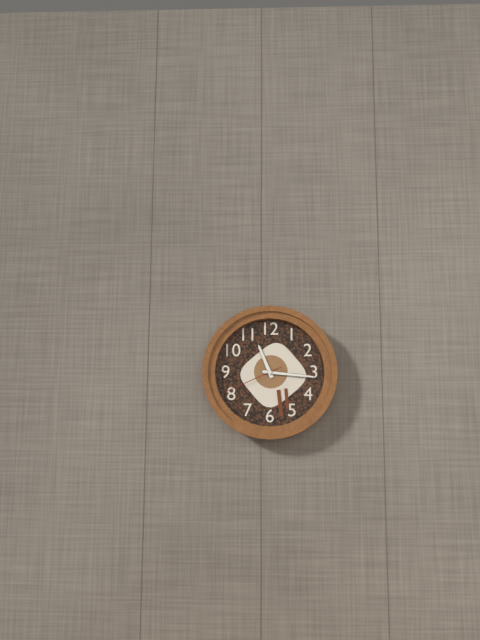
11h16m41s
